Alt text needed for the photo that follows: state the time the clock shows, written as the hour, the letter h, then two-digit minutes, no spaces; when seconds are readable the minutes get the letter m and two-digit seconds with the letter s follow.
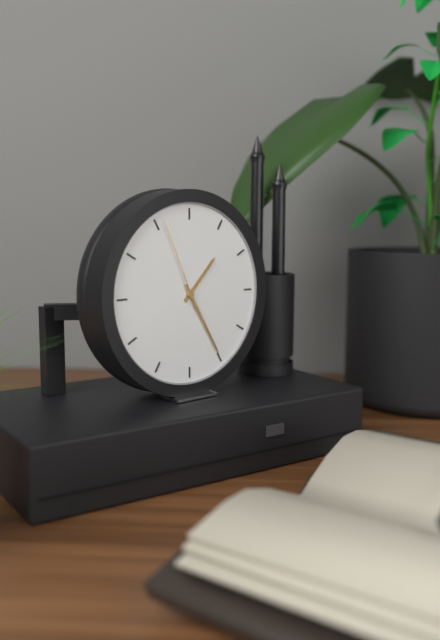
1h25m56s
